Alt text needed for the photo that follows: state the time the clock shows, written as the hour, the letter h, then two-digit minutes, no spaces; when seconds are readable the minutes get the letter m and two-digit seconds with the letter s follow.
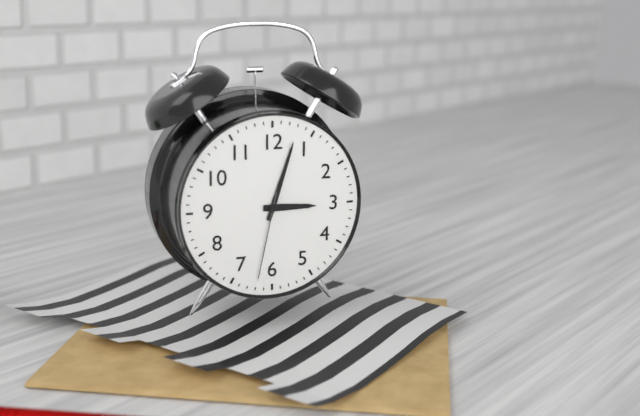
3h03m32s
